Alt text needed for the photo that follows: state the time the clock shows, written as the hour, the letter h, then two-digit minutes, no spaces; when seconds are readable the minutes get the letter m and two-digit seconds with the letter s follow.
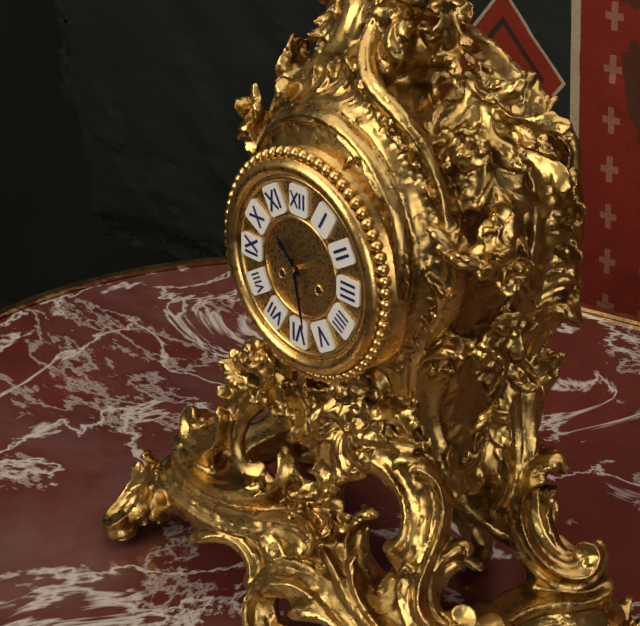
10h28
